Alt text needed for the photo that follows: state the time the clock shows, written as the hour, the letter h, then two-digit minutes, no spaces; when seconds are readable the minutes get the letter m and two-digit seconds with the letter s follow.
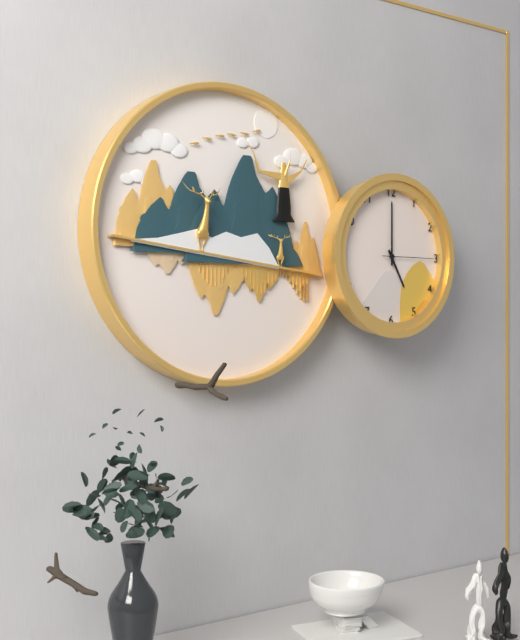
5h00m15s
